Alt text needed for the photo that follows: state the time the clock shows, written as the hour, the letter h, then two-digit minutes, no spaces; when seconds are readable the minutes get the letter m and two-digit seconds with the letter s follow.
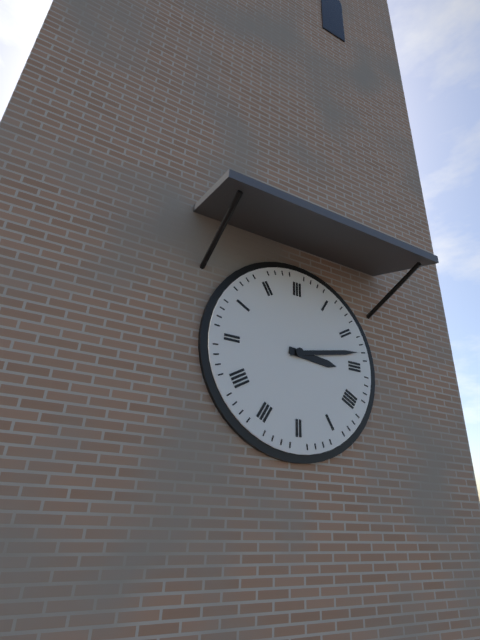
3h13
